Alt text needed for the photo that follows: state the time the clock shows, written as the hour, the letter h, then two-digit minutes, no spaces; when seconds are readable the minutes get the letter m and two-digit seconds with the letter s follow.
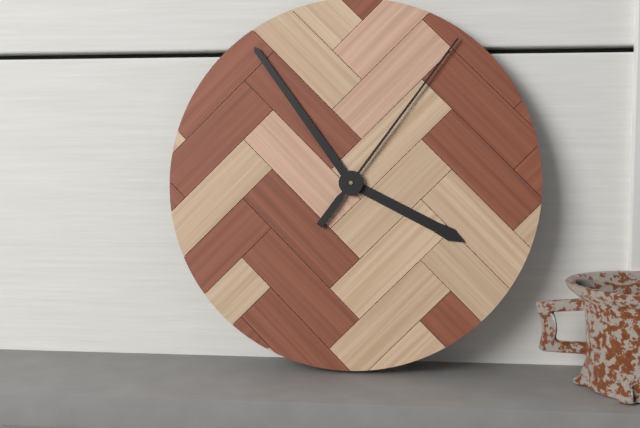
3h54m06s
